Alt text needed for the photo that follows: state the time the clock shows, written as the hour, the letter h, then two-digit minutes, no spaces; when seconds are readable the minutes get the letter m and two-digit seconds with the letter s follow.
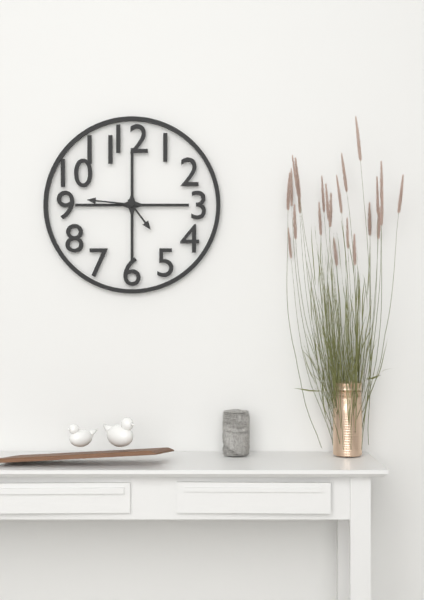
4h46
